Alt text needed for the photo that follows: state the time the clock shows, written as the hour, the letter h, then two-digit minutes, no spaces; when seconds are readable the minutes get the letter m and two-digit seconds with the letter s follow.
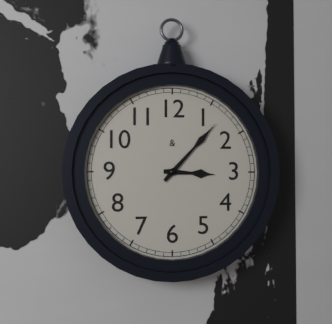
3h07
